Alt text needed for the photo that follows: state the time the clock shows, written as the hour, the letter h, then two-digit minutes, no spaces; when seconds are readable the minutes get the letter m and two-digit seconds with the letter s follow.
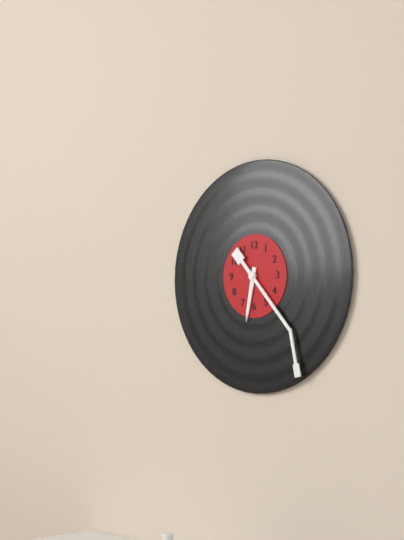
6h23
